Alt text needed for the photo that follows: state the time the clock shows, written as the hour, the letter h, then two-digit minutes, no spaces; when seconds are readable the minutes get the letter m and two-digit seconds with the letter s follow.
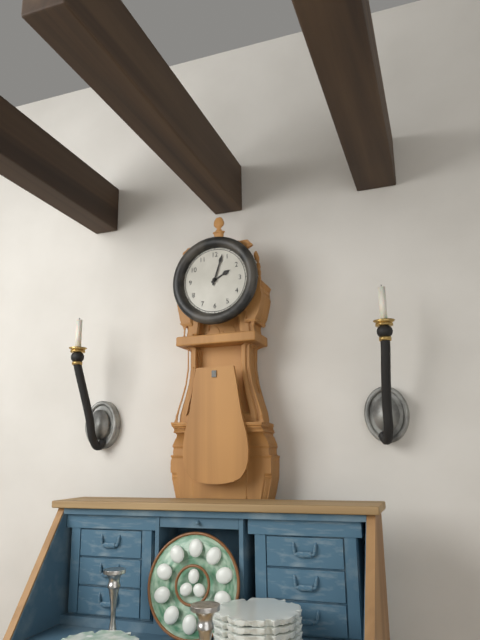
2h03
